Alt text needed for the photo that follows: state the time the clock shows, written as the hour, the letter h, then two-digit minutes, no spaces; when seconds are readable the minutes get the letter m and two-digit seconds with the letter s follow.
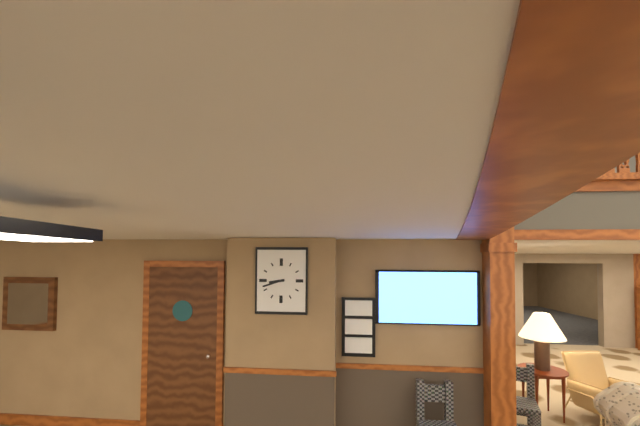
8h42
